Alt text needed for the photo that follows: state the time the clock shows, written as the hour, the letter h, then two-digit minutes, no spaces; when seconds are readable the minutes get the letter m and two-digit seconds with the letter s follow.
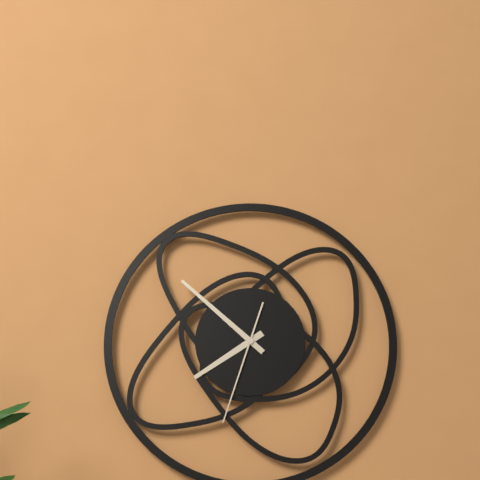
7h52m33s
